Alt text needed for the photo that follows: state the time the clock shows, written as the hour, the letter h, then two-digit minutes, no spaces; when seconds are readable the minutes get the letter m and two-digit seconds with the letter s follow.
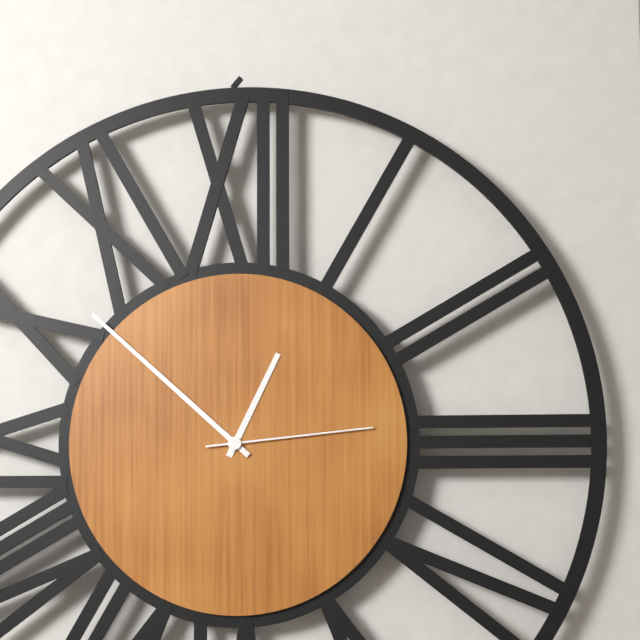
12h52m14s
